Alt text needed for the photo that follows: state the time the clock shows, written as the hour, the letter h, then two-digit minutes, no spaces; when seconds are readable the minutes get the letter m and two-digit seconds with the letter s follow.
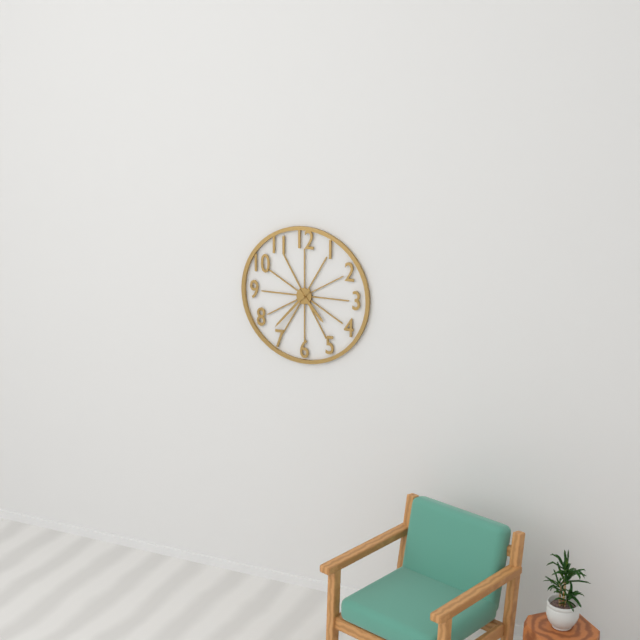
4h37
